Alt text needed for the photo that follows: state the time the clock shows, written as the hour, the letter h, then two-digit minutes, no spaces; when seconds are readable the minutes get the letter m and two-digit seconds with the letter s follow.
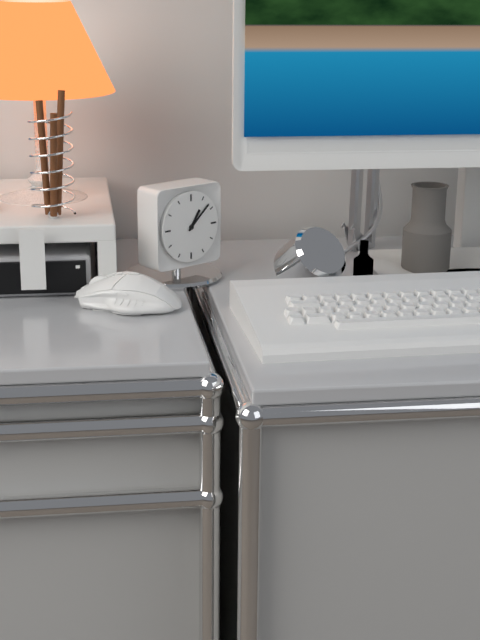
1h08
